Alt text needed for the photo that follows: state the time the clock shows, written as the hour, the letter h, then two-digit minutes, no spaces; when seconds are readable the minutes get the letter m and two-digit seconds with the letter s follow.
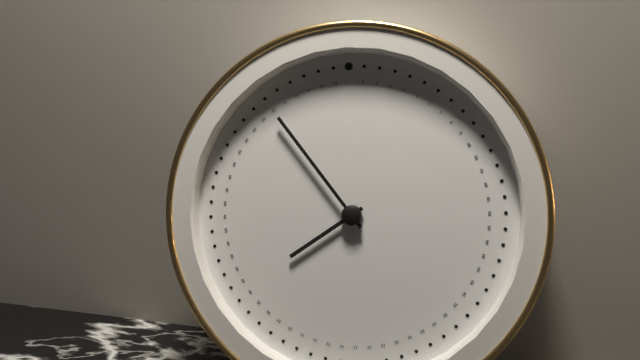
7h54
